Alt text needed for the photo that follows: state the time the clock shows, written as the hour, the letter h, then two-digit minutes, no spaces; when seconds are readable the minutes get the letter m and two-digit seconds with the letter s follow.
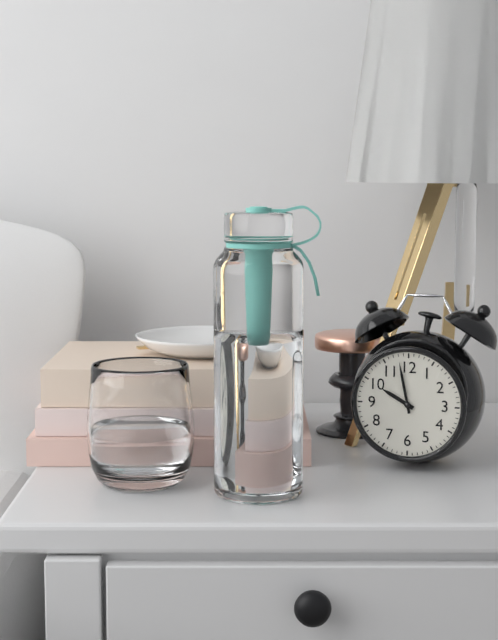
9h58
